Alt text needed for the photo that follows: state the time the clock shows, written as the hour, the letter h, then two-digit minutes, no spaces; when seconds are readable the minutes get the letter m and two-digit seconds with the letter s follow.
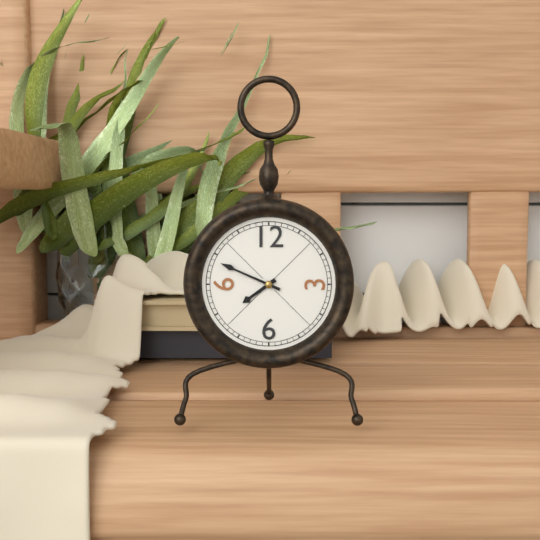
7h49
